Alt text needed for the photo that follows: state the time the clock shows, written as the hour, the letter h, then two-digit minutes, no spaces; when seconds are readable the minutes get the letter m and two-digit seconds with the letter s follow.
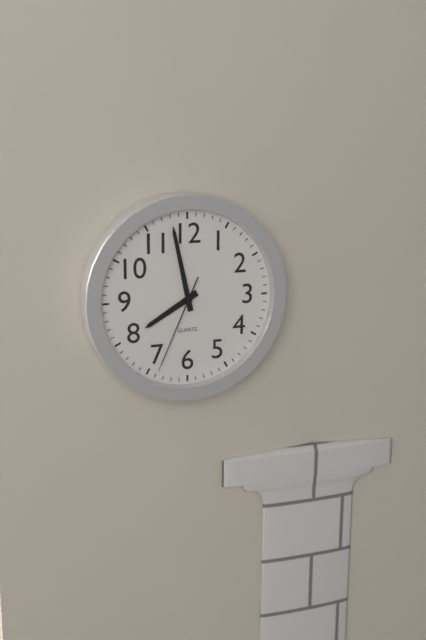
7h58m34s
